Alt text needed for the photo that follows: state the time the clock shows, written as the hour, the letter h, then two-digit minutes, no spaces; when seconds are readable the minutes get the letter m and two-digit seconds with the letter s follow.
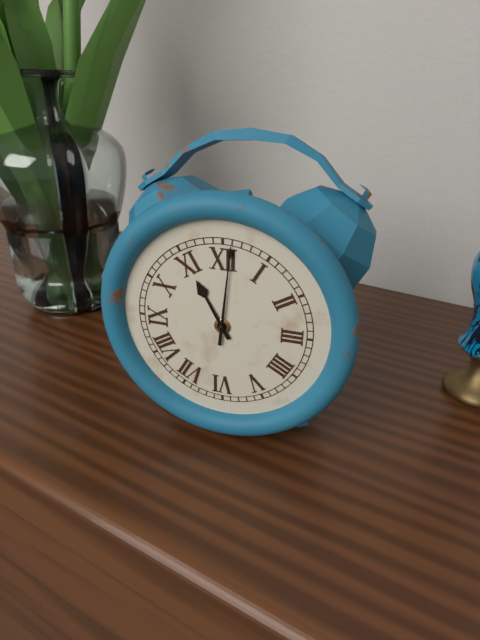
11h01
